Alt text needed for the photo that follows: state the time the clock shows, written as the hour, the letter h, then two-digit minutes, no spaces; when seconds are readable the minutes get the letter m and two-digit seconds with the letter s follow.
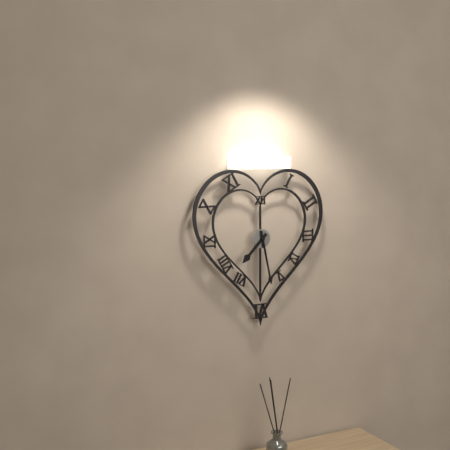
7h28
